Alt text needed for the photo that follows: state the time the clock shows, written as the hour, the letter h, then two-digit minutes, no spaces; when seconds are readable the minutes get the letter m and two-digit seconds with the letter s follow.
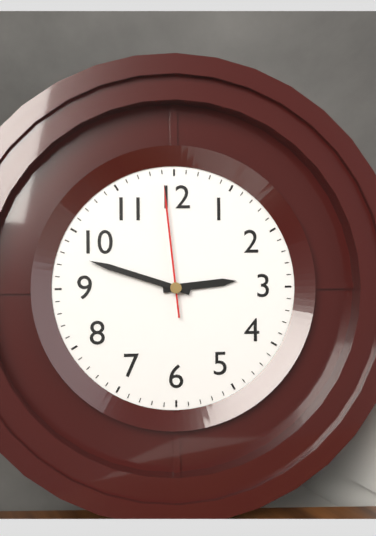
2h48m59s
